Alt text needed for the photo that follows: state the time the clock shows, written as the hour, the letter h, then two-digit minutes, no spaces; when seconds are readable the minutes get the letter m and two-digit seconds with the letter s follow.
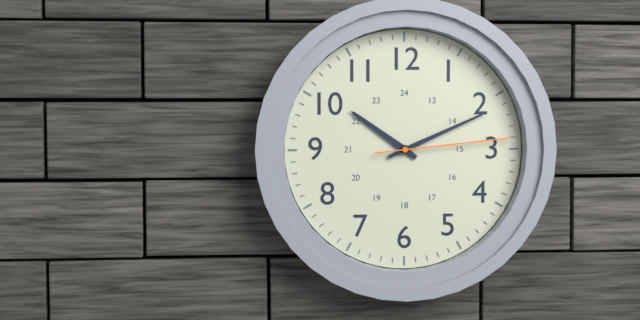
10h11m14s
